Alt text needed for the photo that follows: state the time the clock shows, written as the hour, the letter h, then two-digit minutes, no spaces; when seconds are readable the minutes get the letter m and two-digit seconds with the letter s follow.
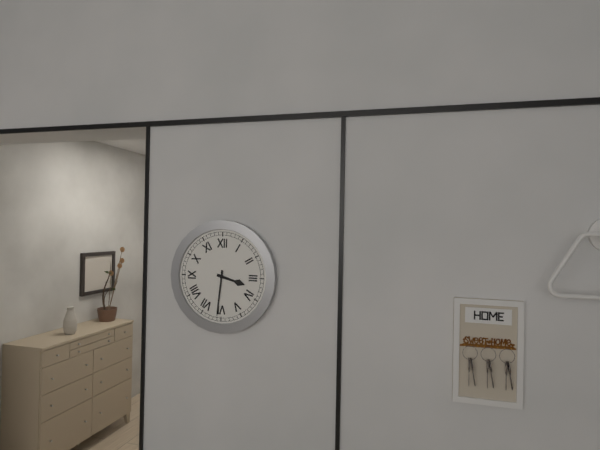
3h31
